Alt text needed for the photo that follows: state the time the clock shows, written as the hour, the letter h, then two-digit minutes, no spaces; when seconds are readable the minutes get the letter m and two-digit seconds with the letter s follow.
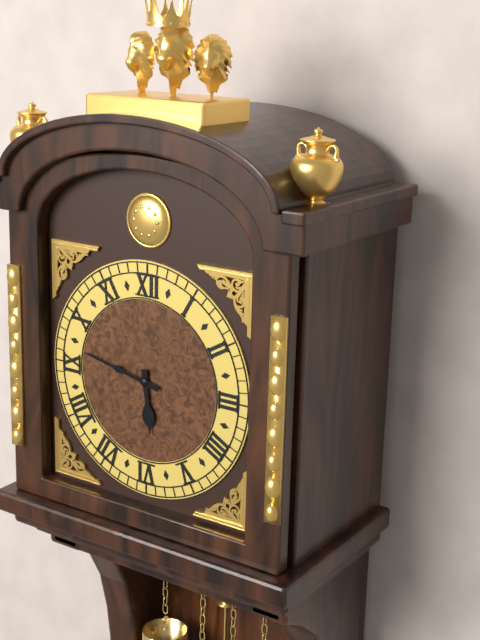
5h47
